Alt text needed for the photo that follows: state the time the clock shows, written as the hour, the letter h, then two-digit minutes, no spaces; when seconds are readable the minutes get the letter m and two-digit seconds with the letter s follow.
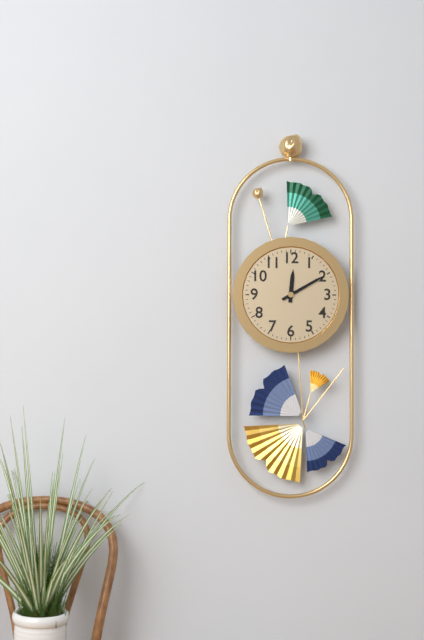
12h10
